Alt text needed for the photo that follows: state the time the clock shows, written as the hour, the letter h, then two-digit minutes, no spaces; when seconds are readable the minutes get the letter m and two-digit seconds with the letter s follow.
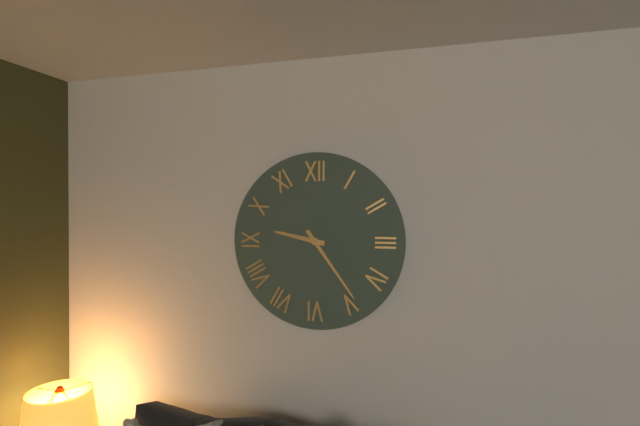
9h24
